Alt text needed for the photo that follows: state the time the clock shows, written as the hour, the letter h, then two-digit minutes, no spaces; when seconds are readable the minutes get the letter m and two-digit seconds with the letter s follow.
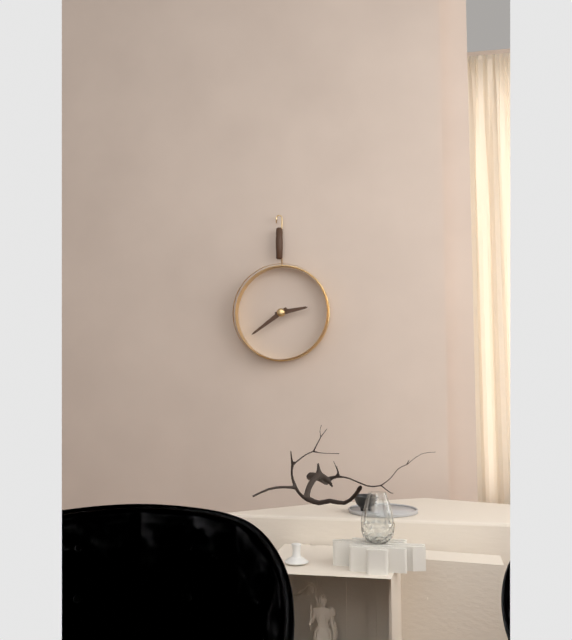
2h39
